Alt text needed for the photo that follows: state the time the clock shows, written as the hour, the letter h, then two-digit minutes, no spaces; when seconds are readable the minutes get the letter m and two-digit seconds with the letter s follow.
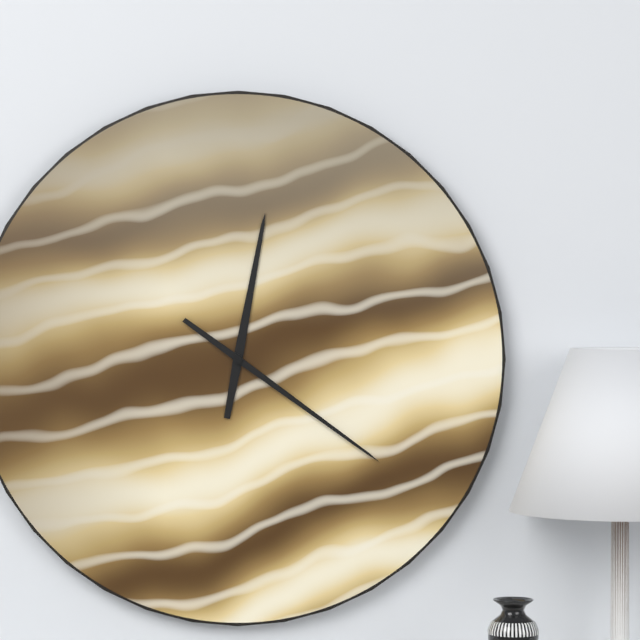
12h21
